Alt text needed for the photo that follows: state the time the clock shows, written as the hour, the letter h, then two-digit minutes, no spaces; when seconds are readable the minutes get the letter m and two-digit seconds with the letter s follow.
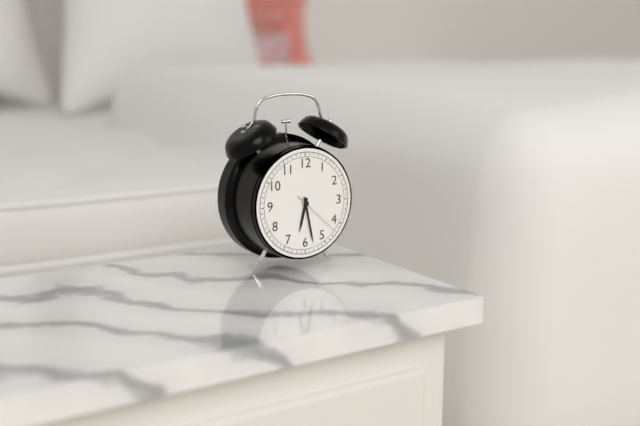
6h28m22s
